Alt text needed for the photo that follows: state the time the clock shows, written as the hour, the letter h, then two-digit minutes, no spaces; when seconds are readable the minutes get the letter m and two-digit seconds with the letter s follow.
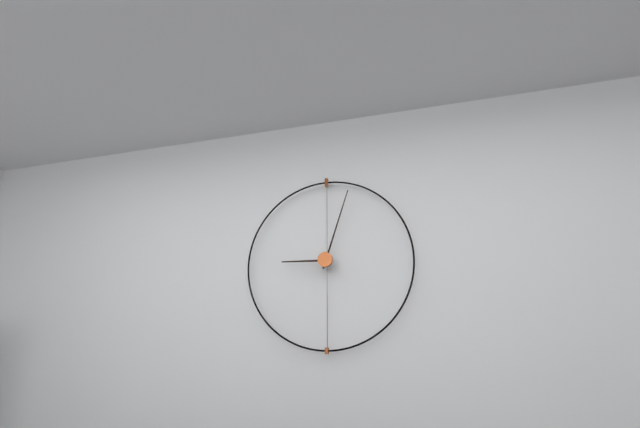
9h03
